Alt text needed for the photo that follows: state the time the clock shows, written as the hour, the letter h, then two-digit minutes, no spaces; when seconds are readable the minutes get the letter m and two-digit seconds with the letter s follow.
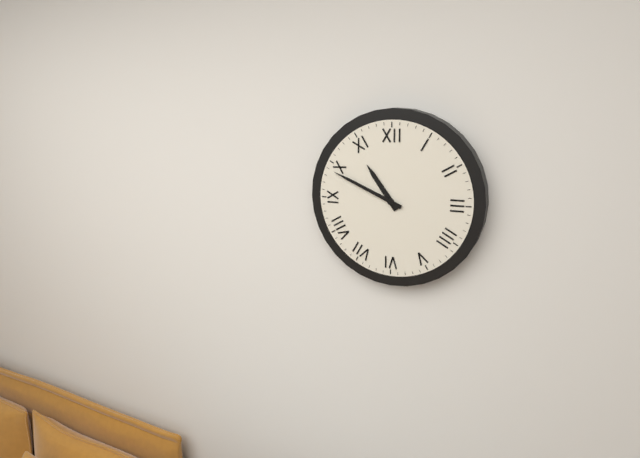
10h49
